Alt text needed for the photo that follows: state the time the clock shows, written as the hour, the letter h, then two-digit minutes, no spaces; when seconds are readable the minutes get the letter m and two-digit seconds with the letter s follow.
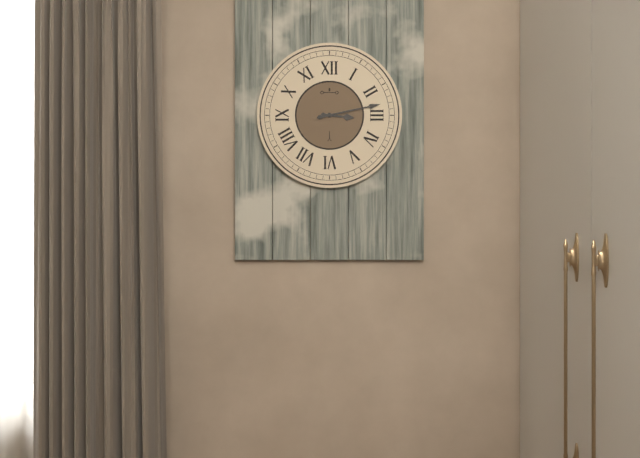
3h13
